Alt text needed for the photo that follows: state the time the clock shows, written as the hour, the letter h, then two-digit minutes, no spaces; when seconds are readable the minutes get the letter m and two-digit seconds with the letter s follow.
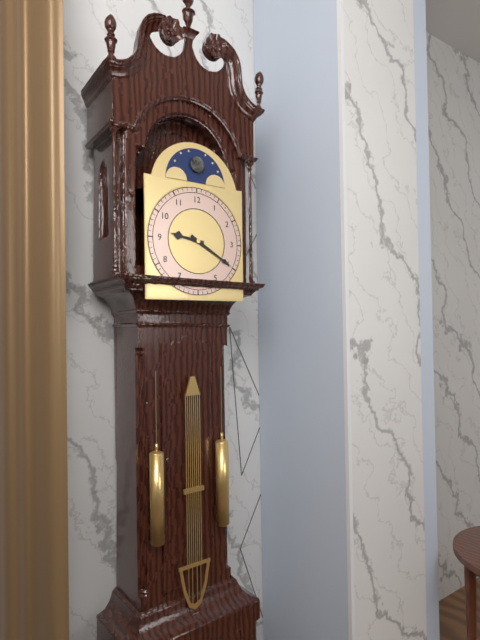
9h20
